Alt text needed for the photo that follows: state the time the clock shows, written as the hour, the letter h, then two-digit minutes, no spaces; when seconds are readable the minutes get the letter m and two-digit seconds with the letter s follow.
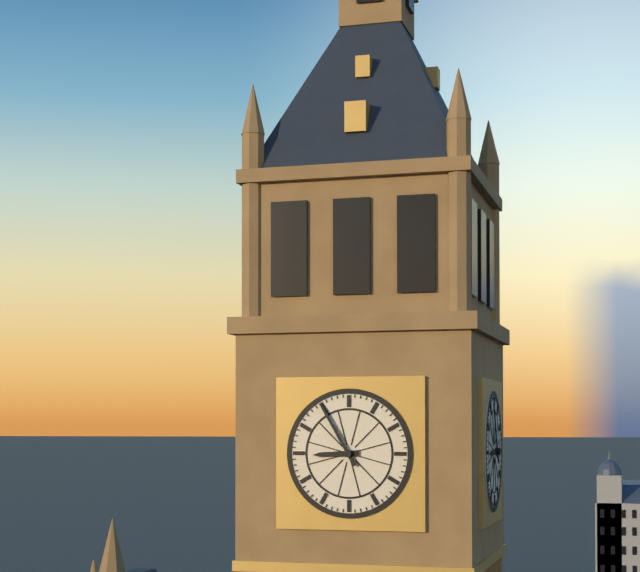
8h55
